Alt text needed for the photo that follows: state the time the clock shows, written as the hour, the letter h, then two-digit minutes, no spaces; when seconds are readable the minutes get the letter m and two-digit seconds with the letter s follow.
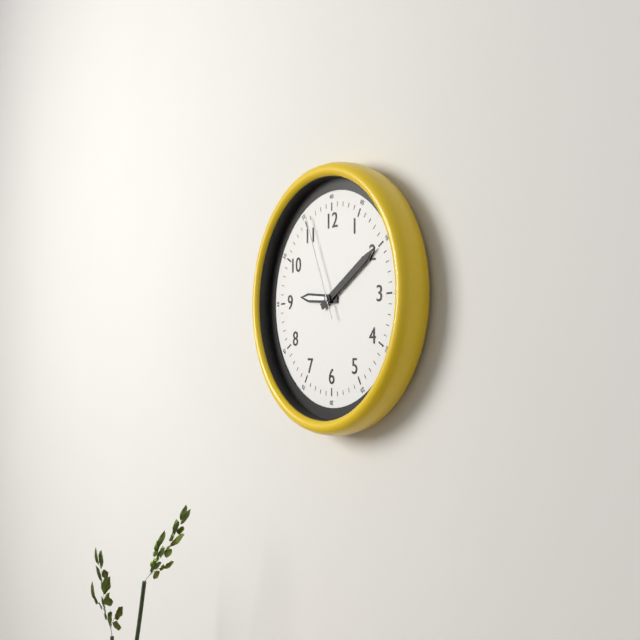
9h10m56s
